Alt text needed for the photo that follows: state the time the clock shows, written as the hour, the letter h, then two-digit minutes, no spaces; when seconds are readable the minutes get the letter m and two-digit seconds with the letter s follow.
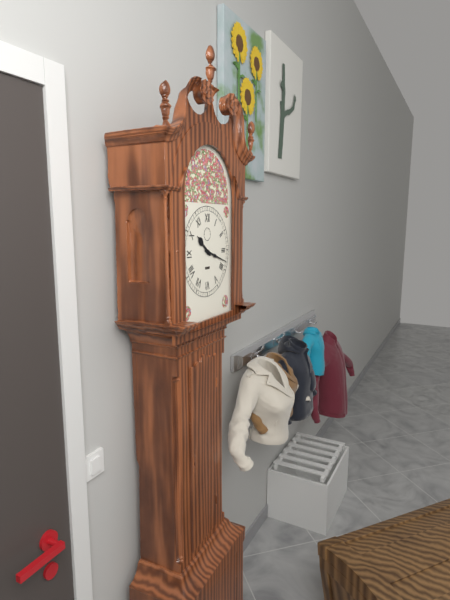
10h18
